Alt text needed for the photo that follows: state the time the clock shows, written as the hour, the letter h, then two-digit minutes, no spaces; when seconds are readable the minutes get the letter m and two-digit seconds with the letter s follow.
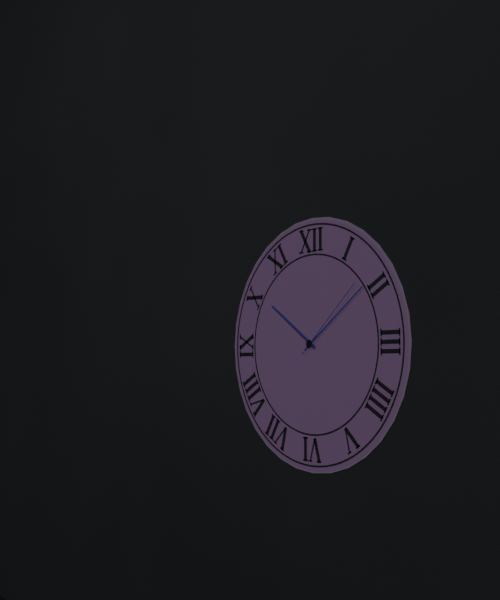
10h09m08s
